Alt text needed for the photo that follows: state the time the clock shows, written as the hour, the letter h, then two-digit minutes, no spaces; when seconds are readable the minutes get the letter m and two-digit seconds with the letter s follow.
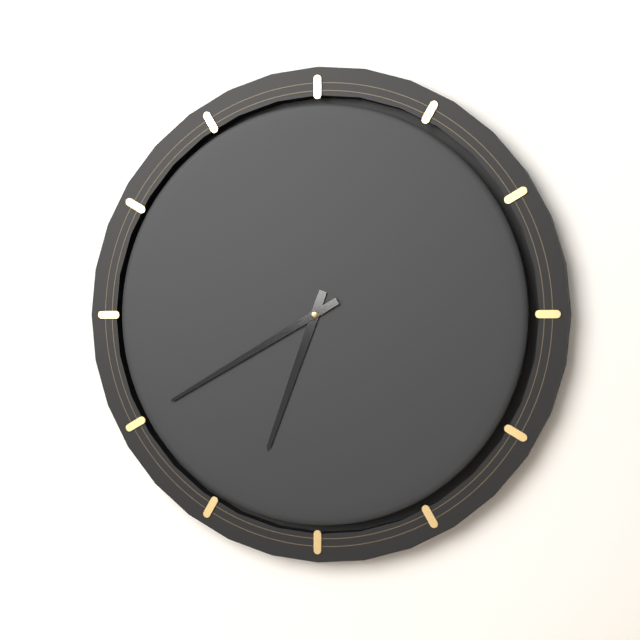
6h40
